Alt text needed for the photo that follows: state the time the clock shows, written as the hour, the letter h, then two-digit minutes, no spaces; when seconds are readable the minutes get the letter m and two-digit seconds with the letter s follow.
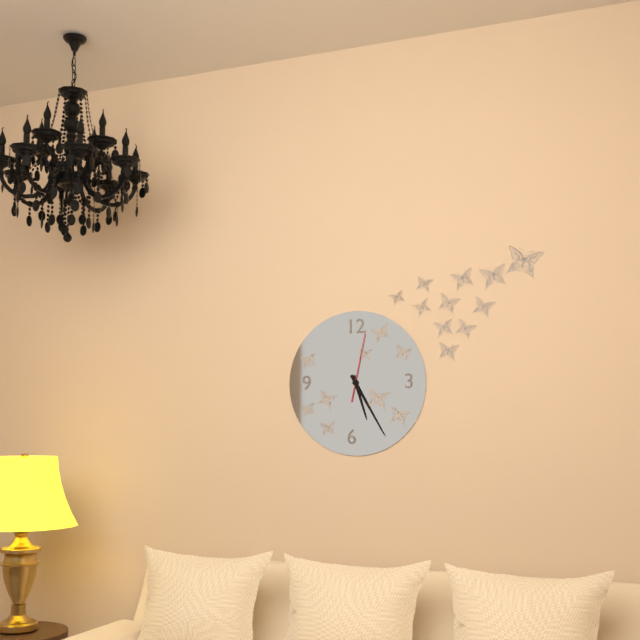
5h25m02s
